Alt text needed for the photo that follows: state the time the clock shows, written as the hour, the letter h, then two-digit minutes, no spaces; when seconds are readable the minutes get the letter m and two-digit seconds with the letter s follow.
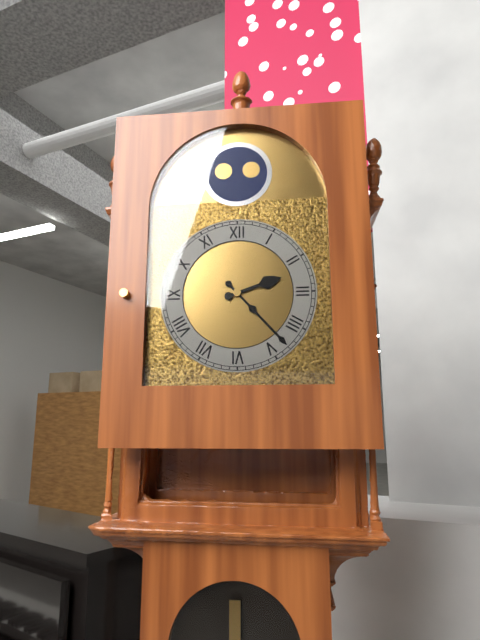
2h23
